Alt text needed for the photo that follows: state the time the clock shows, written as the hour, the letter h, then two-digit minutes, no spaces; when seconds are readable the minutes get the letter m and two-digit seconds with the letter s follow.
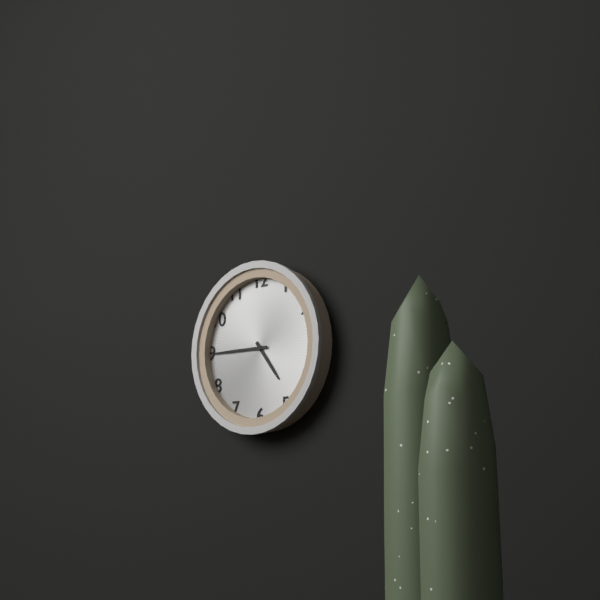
4h45
